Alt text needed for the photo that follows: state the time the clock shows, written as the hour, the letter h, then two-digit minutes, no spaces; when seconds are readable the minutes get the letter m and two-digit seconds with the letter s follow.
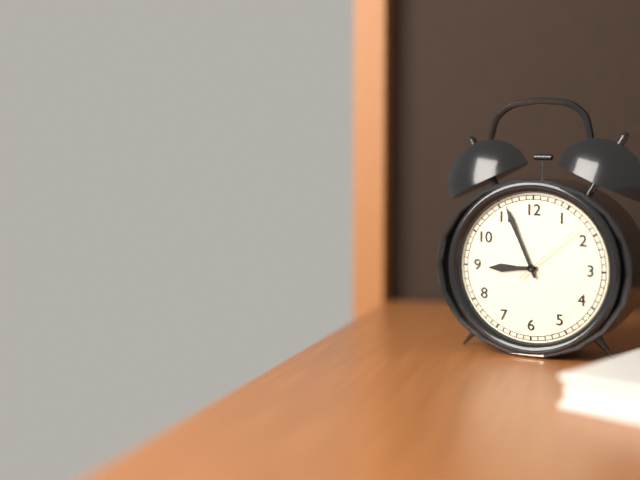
8h56m08s
